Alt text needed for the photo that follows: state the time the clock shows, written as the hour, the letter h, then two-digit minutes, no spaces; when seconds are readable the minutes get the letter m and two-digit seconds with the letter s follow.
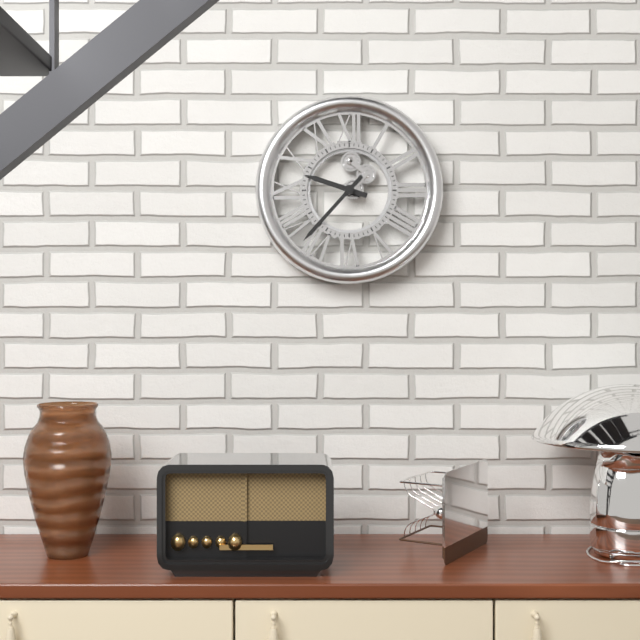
9h37
